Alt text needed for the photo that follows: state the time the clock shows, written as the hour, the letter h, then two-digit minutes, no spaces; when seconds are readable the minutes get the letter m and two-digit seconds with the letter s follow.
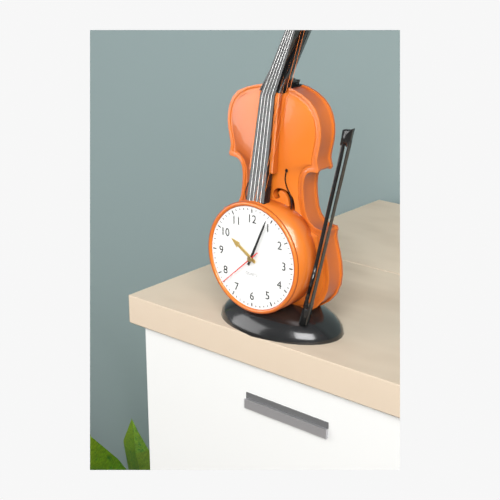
10h04
